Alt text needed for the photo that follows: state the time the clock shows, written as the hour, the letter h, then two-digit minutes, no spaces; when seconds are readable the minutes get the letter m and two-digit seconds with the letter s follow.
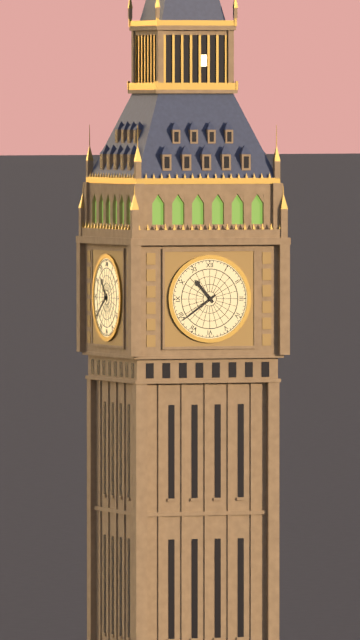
10h39
